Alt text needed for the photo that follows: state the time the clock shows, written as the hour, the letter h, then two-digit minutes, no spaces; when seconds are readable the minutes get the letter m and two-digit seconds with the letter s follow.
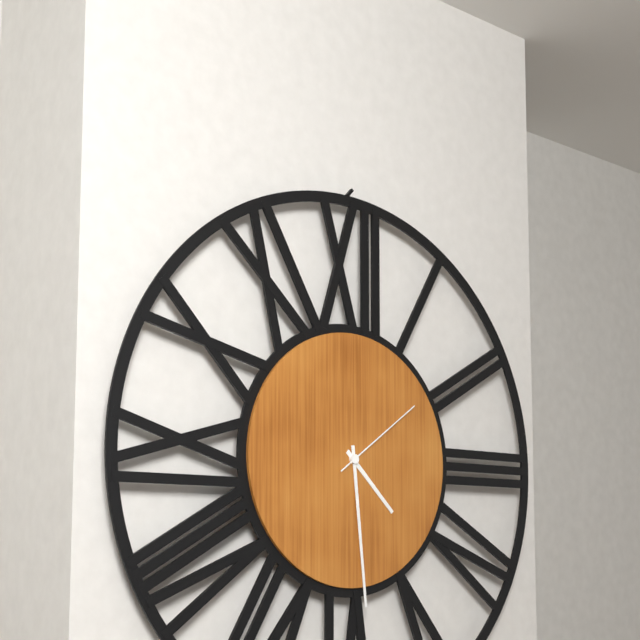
4h29m09s
